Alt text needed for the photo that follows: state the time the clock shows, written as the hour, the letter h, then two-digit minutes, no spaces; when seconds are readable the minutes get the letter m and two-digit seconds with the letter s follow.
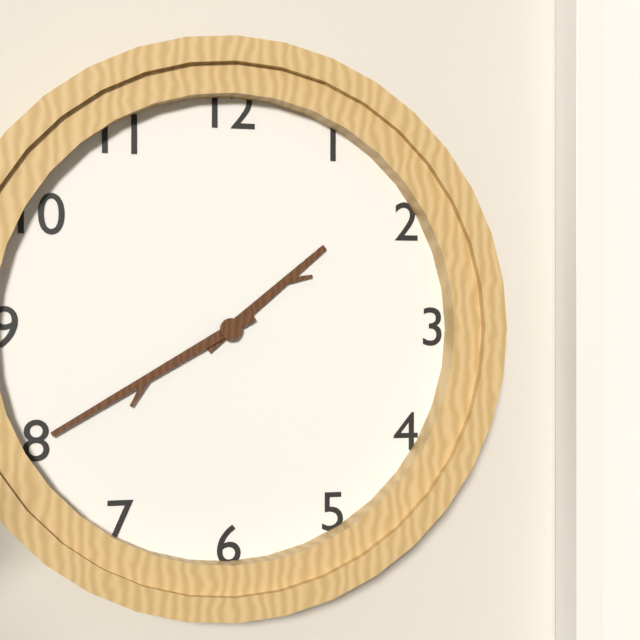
1h40
